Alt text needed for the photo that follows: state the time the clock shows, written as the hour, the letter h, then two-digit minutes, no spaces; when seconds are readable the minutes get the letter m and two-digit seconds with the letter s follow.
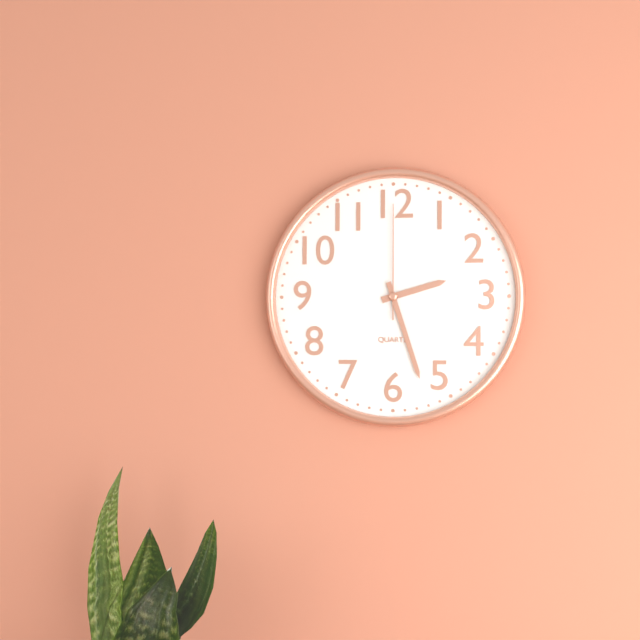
2h27m00s
